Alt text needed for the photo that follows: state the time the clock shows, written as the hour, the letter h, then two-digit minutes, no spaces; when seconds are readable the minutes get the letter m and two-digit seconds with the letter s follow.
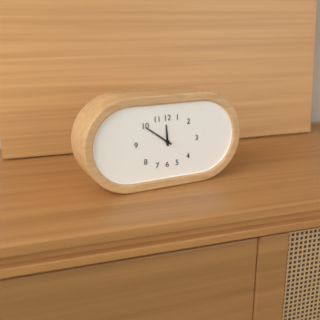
11h51
